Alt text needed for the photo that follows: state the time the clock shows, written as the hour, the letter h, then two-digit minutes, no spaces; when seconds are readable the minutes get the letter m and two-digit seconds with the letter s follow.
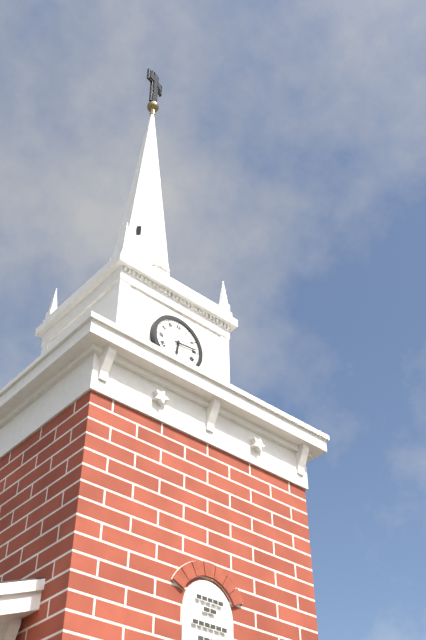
6h14
